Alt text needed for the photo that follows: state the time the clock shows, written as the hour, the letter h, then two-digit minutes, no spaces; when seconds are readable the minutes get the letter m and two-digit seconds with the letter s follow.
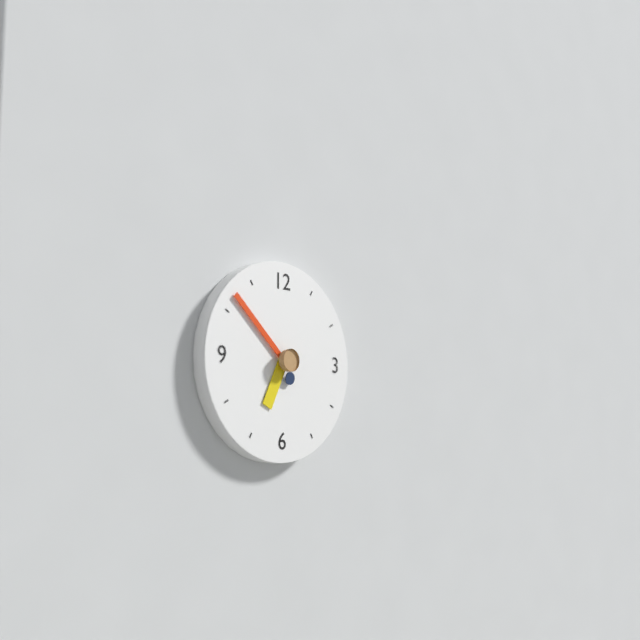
6h52
